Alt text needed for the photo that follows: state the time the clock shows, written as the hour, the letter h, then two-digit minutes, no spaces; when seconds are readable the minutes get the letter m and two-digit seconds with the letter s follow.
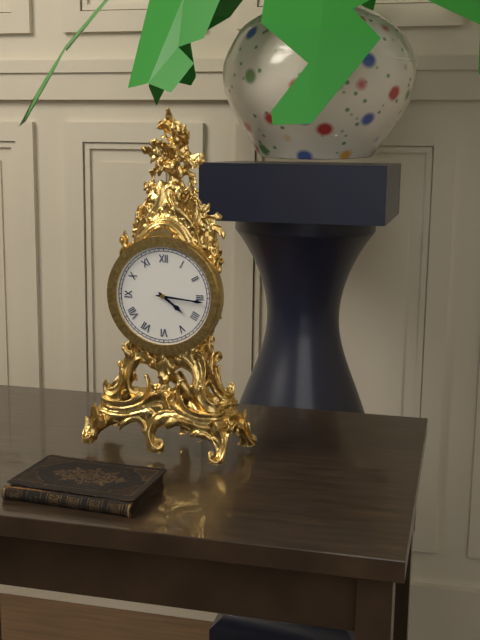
4h16
